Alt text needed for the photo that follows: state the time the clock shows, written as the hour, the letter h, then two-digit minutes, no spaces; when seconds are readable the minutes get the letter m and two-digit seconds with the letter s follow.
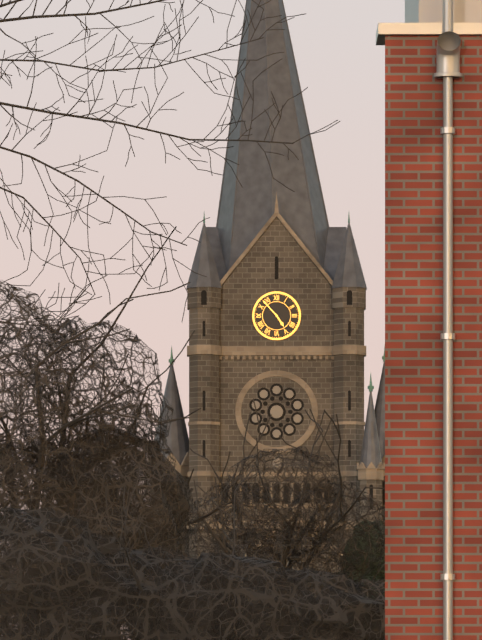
4h53
